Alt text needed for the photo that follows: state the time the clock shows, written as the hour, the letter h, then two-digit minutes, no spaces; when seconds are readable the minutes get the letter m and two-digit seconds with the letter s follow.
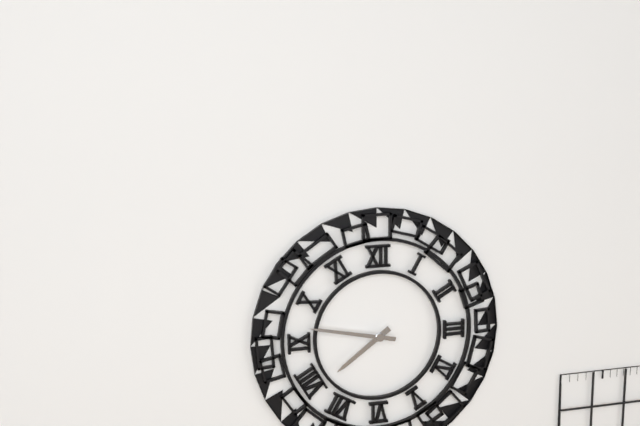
7h47
